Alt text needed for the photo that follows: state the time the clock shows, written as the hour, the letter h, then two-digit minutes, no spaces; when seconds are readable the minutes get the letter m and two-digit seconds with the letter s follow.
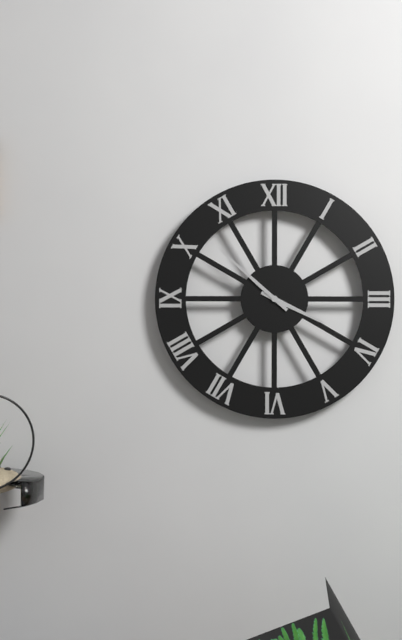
3h52
